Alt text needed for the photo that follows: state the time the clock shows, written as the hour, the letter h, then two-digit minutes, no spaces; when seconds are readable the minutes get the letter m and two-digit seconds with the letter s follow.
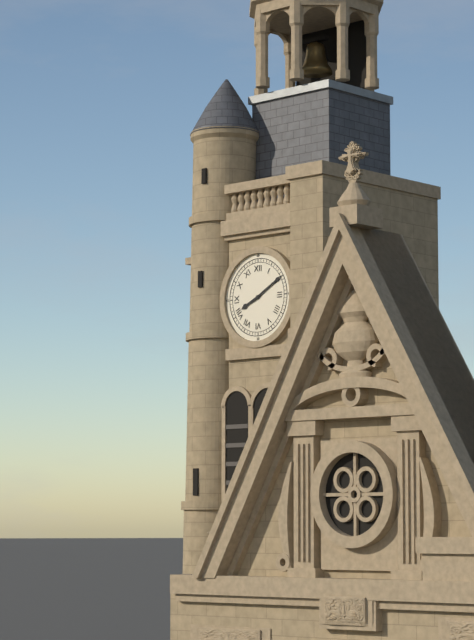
8h10
